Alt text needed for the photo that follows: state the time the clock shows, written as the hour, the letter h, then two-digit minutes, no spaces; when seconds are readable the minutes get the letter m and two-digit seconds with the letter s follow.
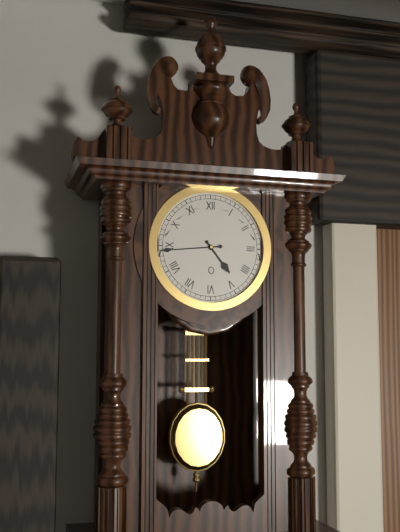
4h44
